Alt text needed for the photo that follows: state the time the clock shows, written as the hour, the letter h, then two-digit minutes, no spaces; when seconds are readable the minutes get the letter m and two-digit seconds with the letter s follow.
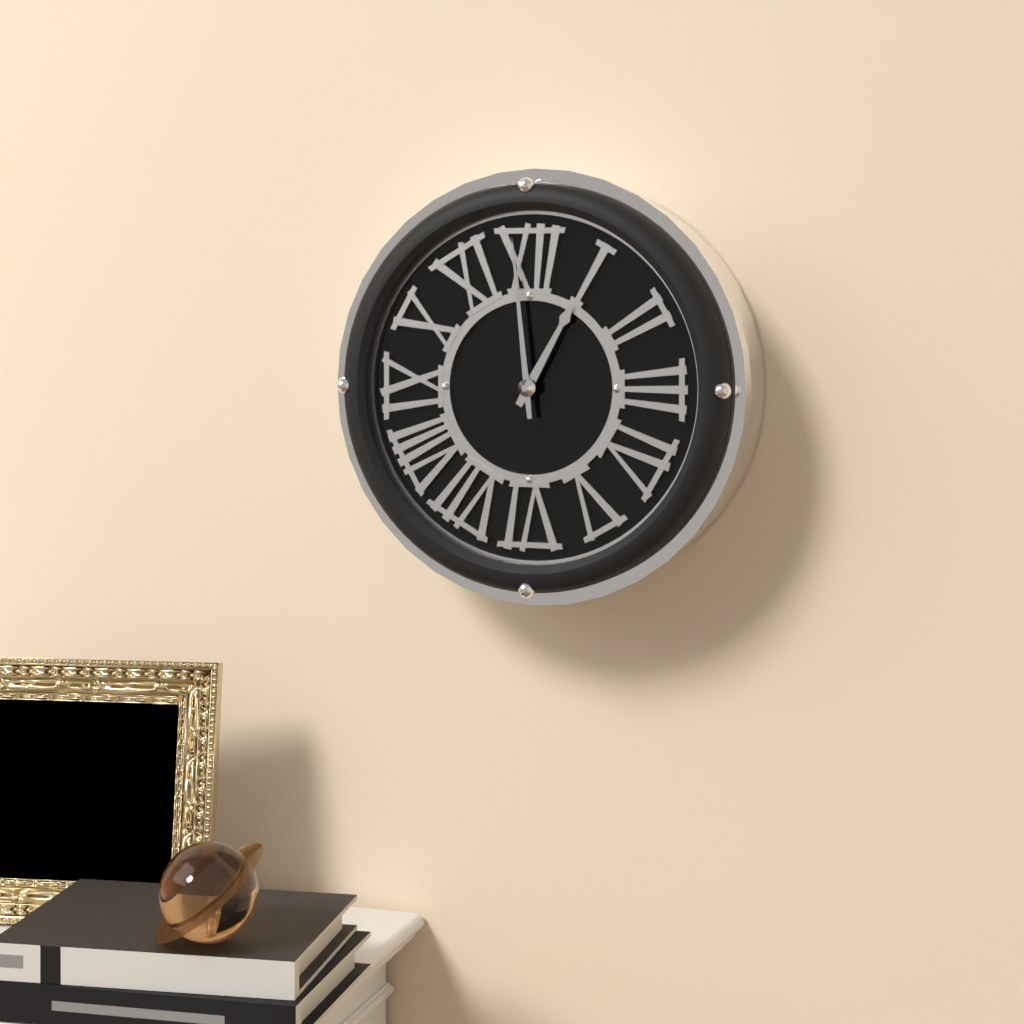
12h59
